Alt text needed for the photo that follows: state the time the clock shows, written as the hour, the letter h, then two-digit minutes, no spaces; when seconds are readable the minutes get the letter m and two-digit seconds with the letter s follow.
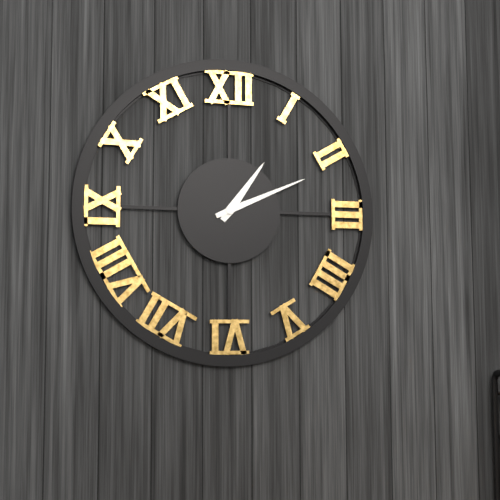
1h11
